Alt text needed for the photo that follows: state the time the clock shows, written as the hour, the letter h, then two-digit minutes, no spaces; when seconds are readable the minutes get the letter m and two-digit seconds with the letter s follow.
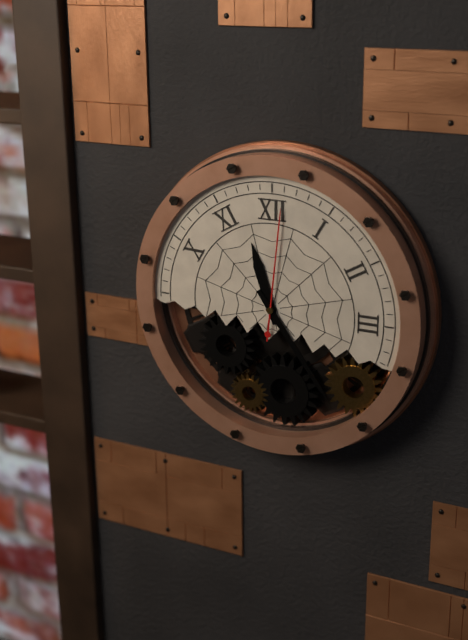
11h24m01s
